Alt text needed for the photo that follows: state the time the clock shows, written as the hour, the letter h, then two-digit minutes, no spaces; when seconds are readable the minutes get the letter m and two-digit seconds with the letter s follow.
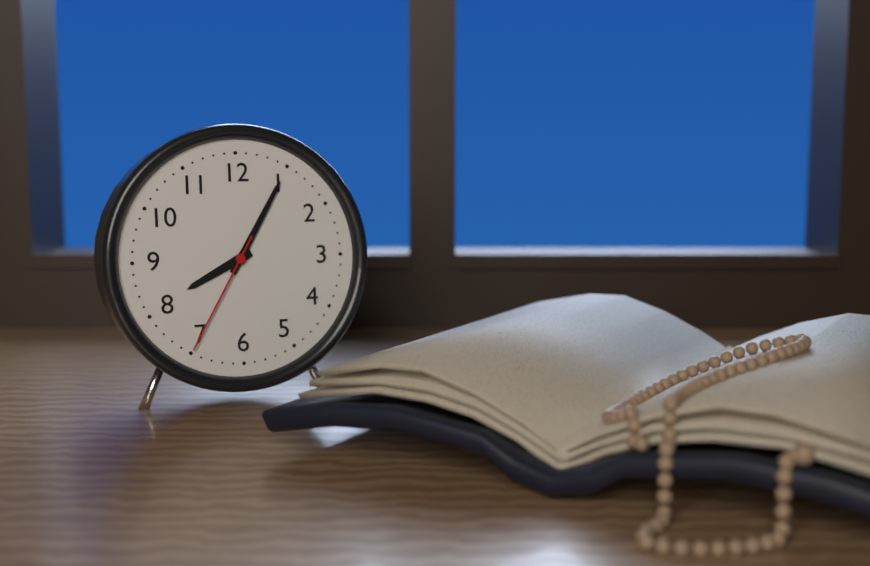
8h05m35s
